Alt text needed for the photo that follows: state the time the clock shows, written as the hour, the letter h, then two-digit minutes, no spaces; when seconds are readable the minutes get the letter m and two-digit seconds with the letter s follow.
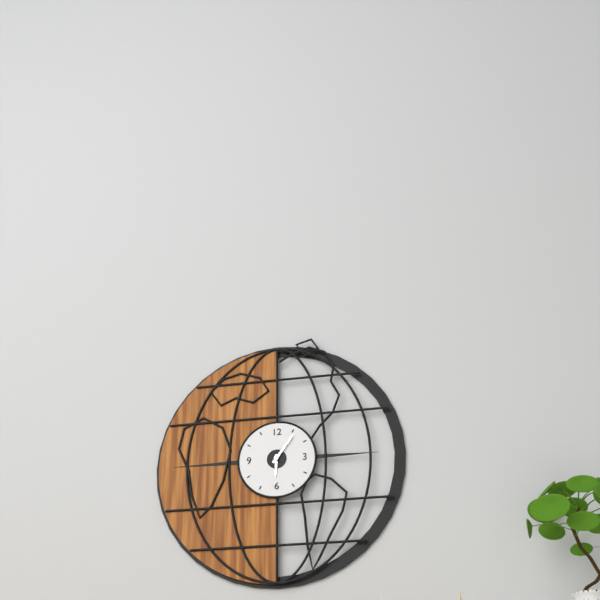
6h06
